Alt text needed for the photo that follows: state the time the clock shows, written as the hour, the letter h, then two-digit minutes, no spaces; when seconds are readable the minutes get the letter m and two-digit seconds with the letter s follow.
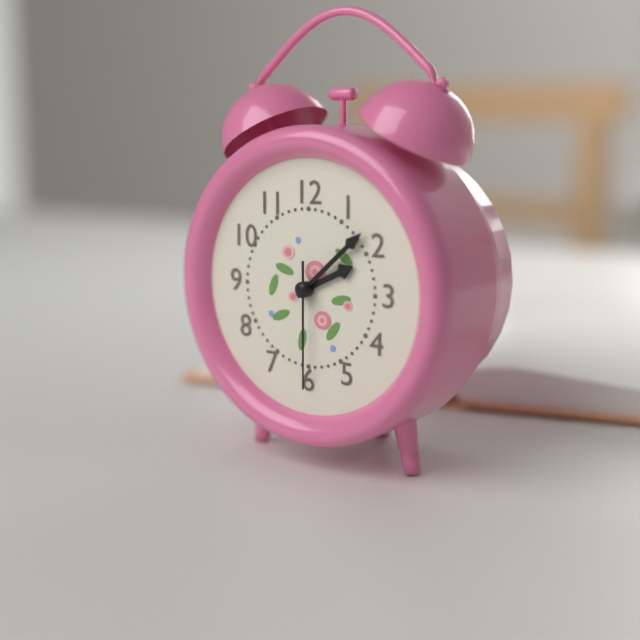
2h08m30s
